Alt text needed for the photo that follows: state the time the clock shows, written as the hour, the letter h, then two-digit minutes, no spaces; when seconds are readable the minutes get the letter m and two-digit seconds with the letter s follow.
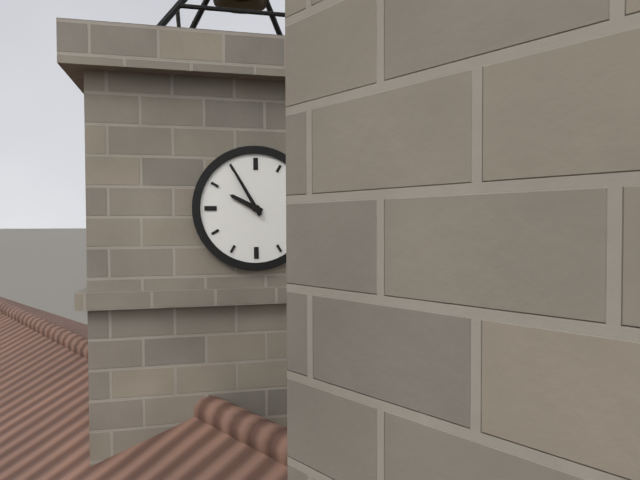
9h55
